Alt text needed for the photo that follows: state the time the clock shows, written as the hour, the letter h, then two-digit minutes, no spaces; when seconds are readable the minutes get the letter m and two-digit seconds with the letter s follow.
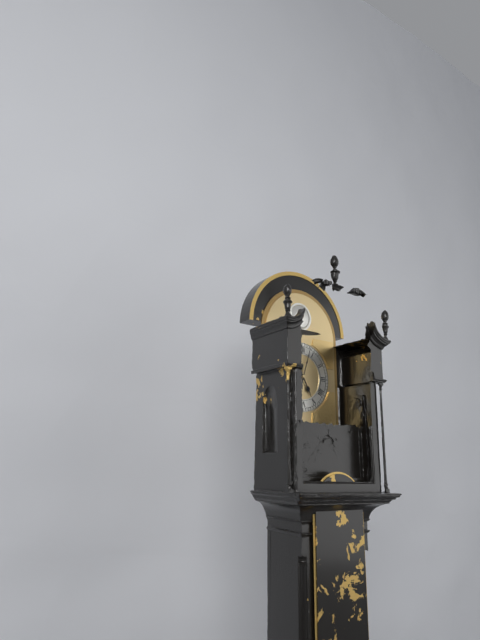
5h03
